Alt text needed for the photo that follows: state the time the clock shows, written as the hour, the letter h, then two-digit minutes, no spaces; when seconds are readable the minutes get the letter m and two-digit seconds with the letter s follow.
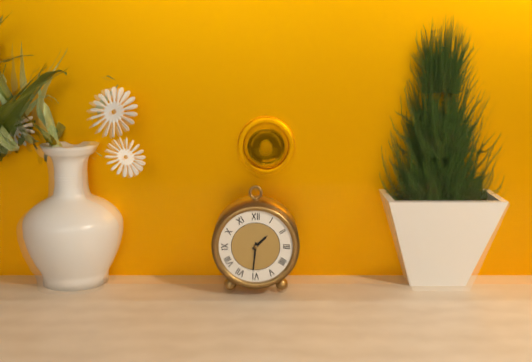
1h31
